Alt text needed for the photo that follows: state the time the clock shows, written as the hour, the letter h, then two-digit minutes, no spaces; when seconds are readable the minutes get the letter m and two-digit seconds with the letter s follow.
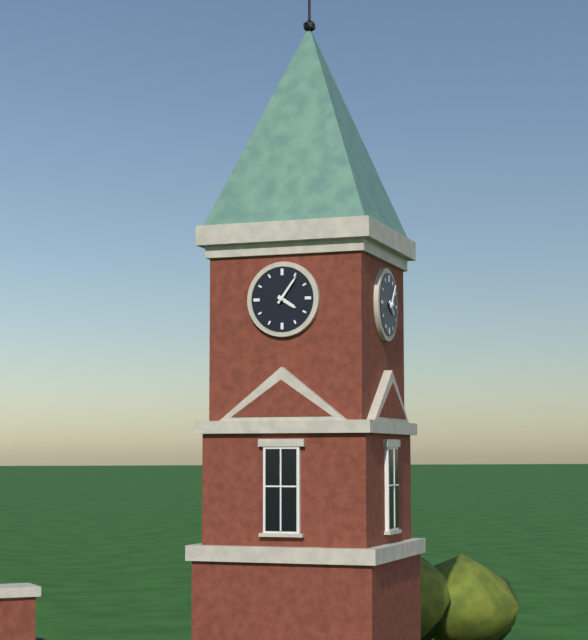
4h06
